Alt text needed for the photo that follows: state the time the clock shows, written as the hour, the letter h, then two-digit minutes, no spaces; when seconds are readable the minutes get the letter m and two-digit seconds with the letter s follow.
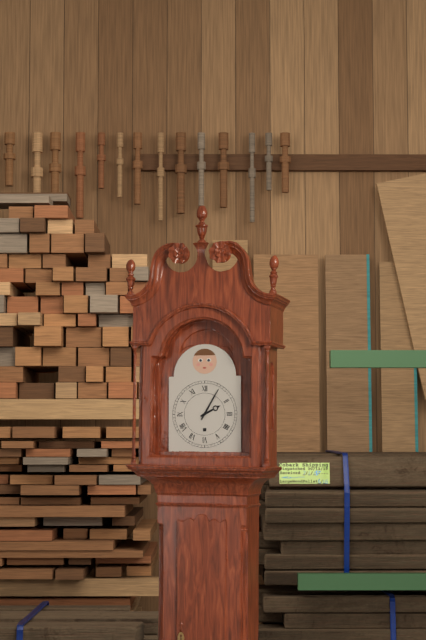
2h05
